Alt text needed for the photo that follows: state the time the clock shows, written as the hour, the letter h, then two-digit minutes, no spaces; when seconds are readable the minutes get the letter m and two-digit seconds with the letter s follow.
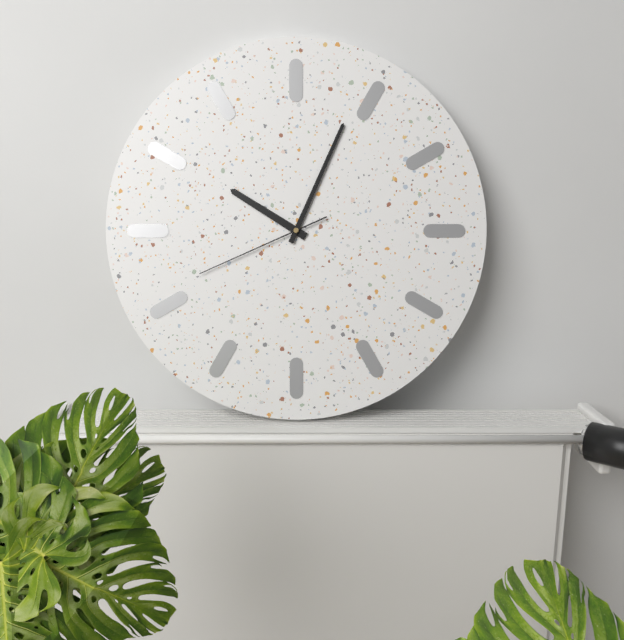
10h04m41s
